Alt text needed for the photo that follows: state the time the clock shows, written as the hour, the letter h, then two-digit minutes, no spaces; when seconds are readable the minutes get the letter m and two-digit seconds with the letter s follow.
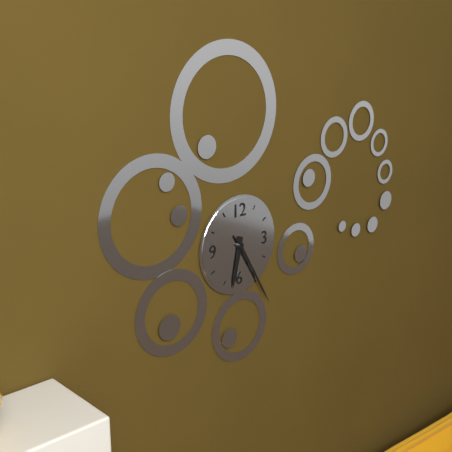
6h25
